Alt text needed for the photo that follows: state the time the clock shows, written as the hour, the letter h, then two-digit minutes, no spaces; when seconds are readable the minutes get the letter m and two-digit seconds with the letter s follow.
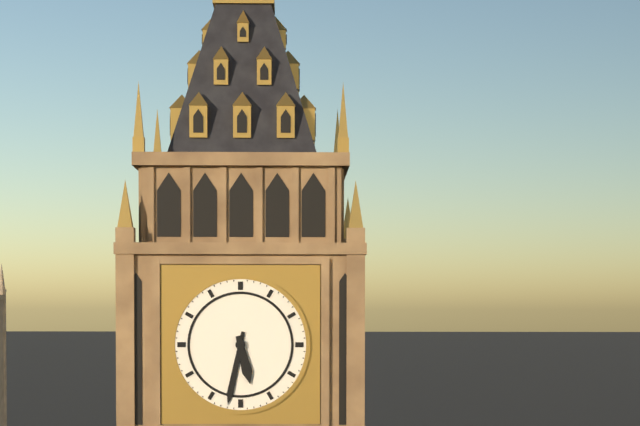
5h32
